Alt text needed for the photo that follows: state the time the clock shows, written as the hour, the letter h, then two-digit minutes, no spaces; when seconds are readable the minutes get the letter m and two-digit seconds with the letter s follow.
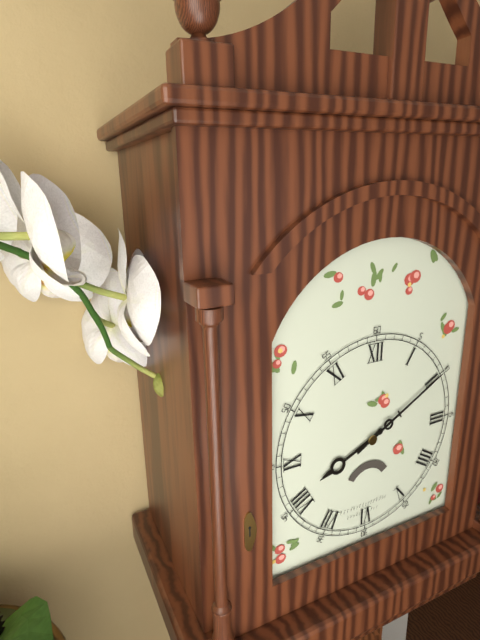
8h10
